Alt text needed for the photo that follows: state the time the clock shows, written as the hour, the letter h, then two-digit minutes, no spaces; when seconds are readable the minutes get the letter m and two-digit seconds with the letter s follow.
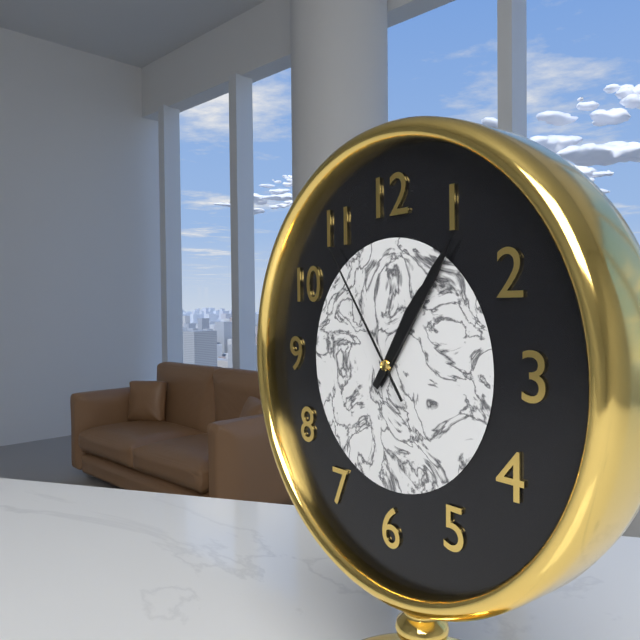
1h06m54s
